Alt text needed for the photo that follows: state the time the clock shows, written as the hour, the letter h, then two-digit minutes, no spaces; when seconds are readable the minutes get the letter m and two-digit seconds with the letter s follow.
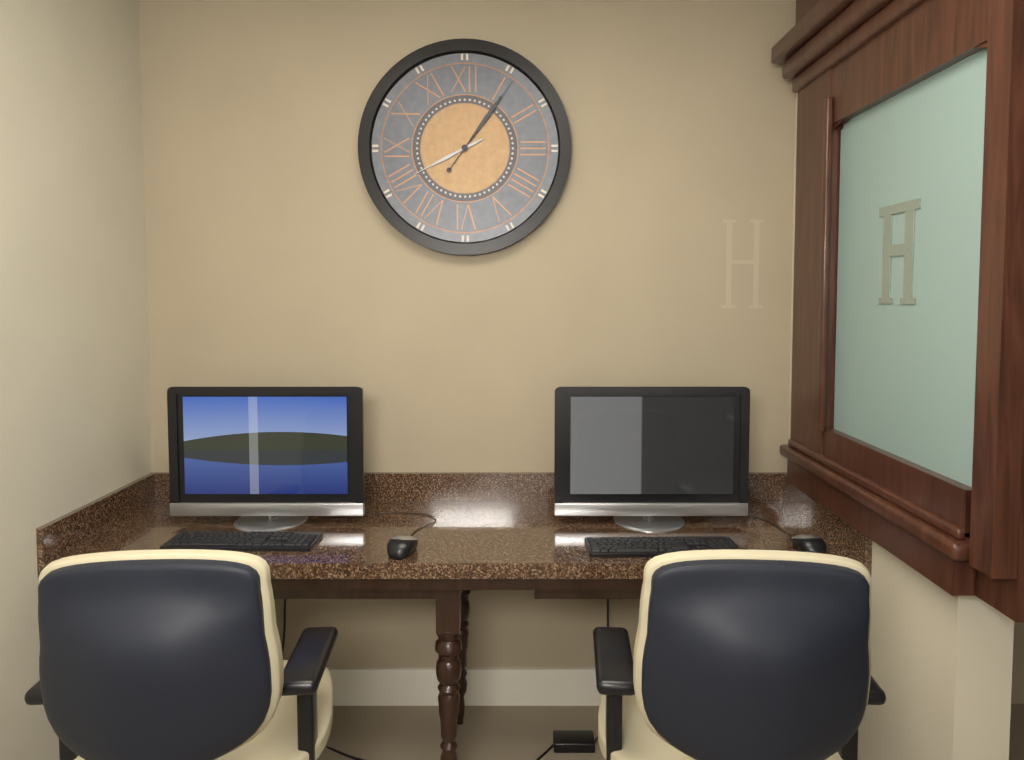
8h06
